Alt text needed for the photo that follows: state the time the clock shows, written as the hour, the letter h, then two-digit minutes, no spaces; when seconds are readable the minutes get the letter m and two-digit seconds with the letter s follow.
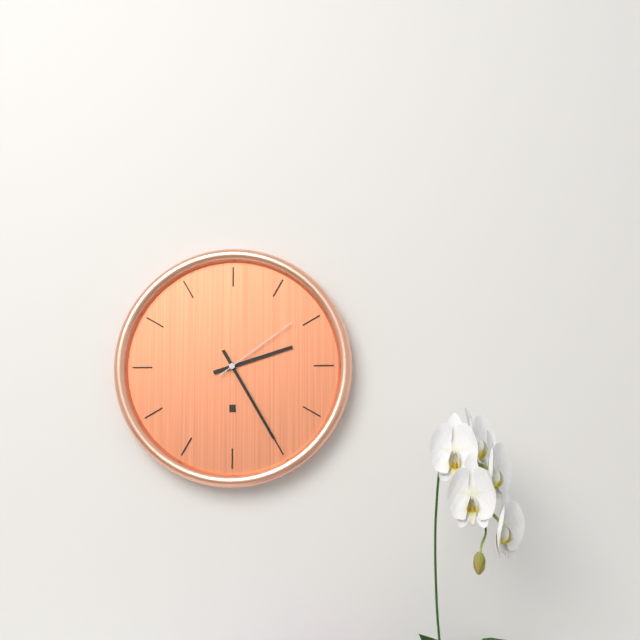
2h25m09s
